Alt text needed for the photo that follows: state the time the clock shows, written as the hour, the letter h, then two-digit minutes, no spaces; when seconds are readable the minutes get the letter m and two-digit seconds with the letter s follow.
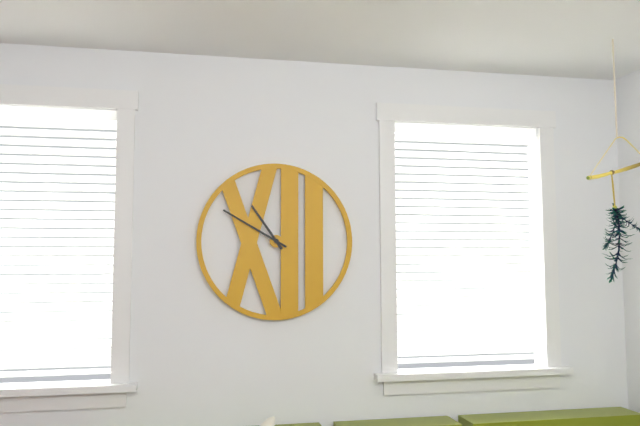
10h50
